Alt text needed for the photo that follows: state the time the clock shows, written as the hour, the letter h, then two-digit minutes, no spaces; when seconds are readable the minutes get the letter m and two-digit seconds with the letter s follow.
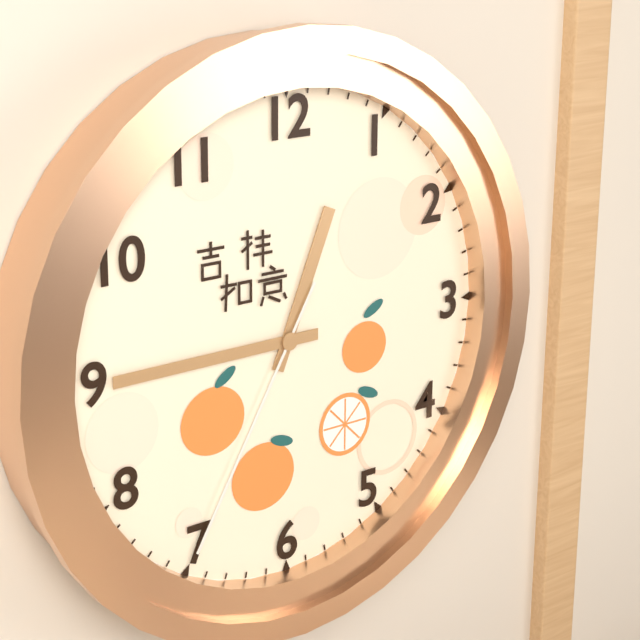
12h45m35s
